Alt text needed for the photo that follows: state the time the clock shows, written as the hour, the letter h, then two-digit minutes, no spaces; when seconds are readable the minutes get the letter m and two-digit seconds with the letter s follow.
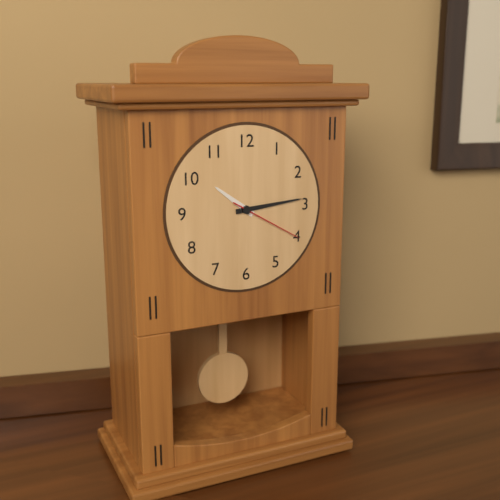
10h14m20s
